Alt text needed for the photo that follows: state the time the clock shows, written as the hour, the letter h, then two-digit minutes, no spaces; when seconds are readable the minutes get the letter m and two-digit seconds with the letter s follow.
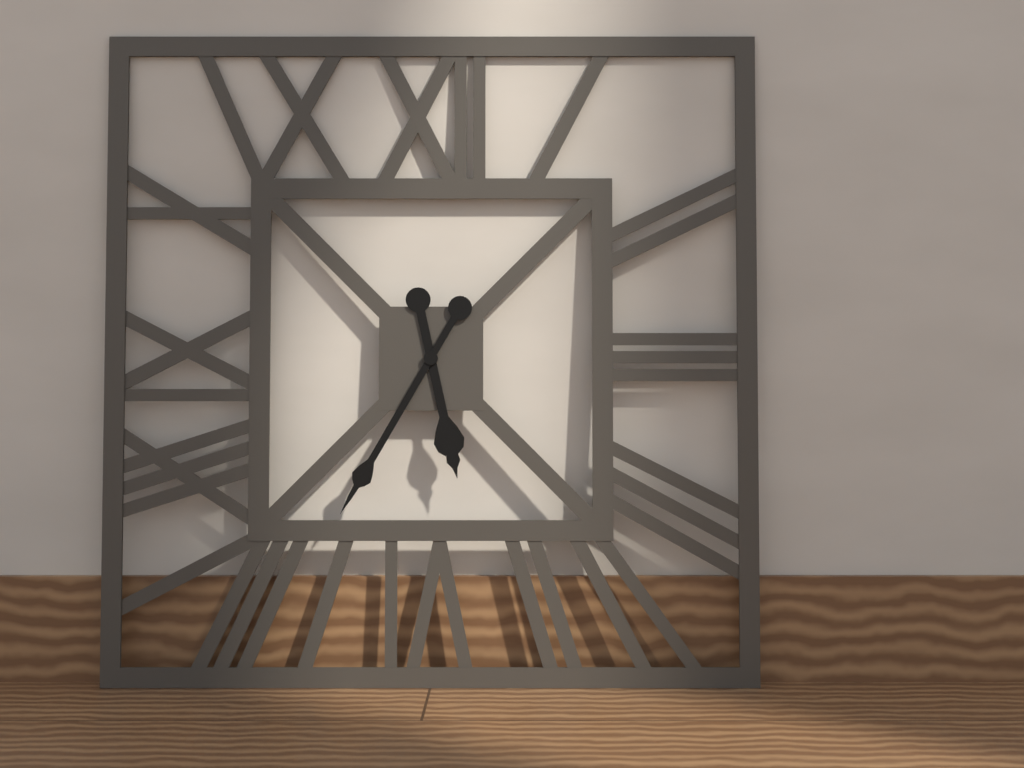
5h35
